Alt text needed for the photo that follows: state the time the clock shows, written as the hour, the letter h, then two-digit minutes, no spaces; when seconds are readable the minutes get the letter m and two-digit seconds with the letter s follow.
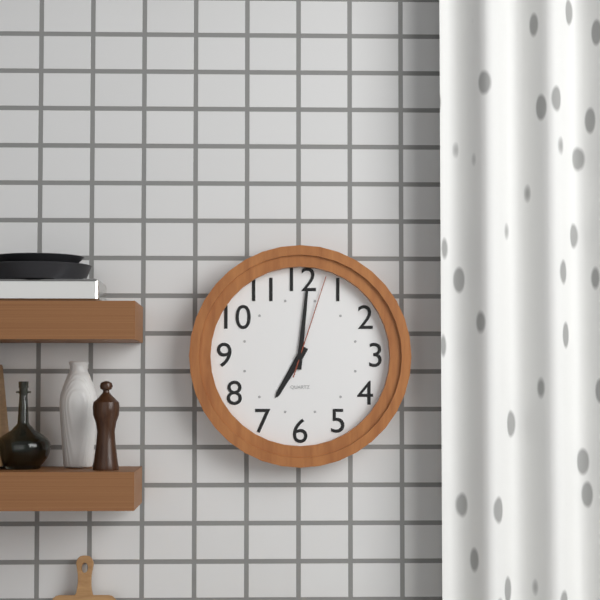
7h01m03s
